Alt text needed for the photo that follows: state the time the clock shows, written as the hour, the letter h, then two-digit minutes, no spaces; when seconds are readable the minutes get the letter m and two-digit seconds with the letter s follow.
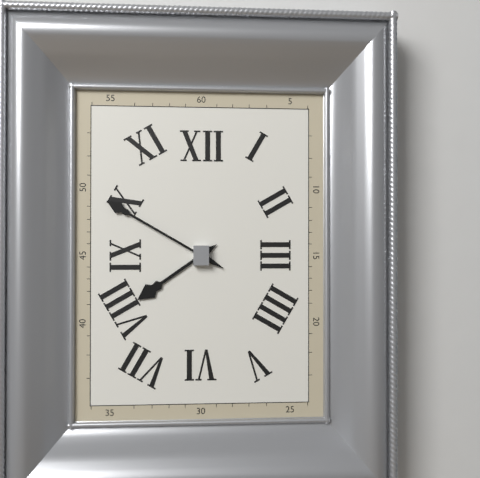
7h50
